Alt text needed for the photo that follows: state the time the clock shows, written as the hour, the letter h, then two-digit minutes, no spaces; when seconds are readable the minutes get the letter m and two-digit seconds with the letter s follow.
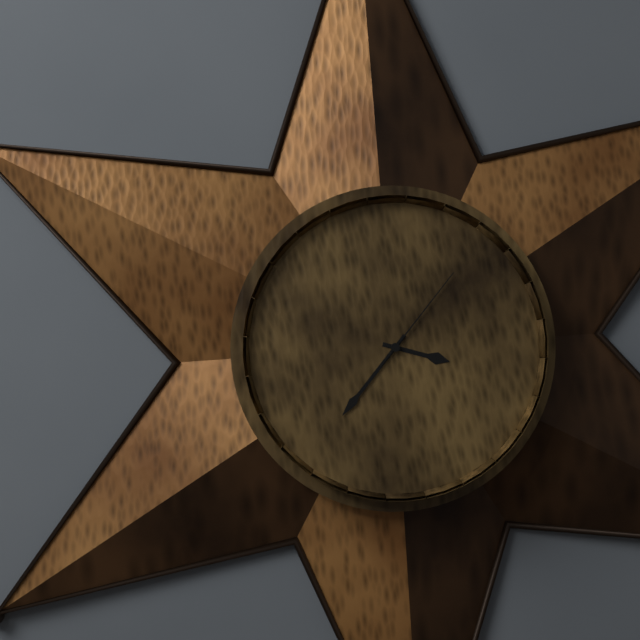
3h37m07s
